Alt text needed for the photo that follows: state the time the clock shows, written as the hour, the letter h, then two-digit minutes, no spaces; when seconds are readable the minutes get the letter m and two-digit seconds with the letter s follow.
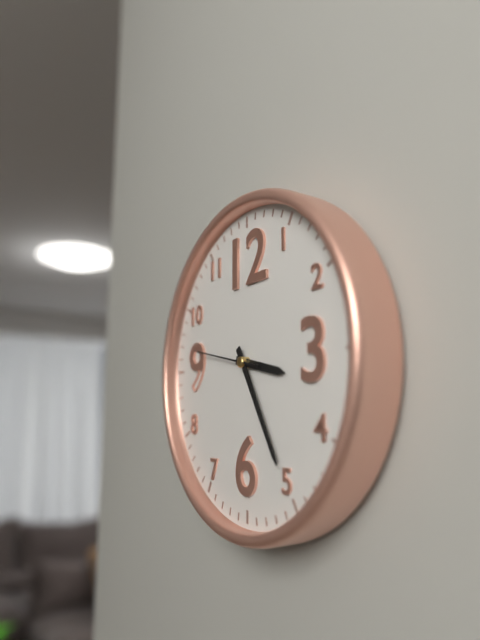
3h25m47s
